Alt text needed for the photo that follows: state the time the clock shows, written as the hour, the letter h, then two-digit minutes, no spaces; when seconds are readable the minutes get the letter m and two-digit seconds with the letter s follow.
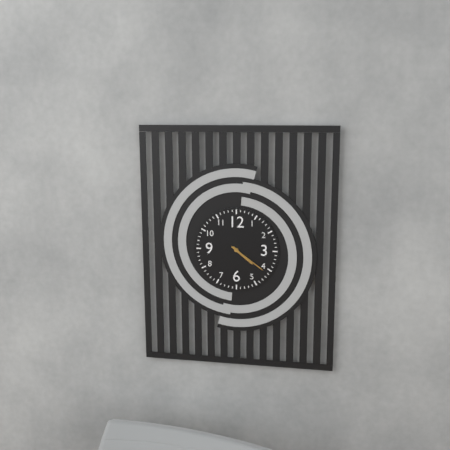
4h21
